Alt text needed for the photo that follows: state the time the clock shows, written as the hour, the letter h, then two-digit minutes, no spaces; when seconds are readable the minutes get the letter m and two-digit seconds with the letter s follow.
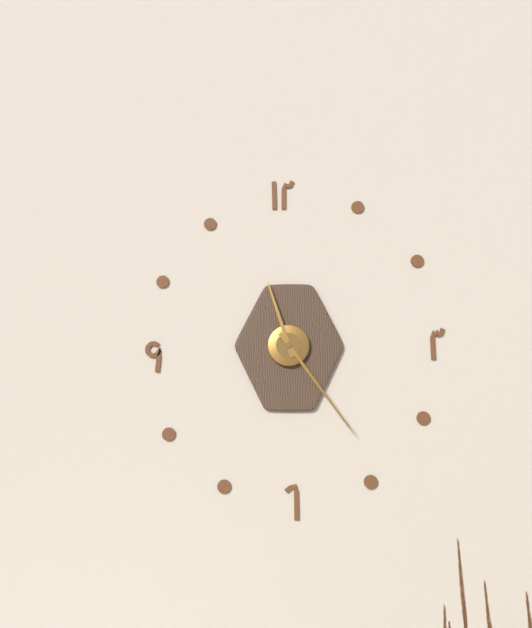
11h24
